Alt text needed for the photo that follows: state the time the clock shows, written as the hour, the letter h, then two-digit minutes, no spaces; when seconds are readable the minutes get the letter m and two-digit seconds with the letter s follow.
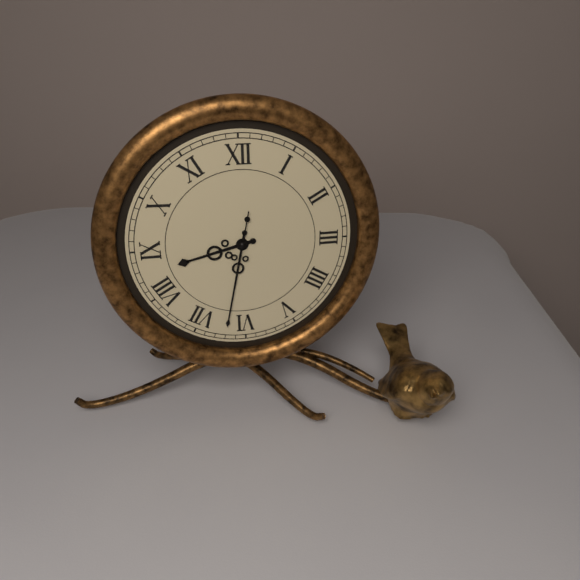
8h32m32s
